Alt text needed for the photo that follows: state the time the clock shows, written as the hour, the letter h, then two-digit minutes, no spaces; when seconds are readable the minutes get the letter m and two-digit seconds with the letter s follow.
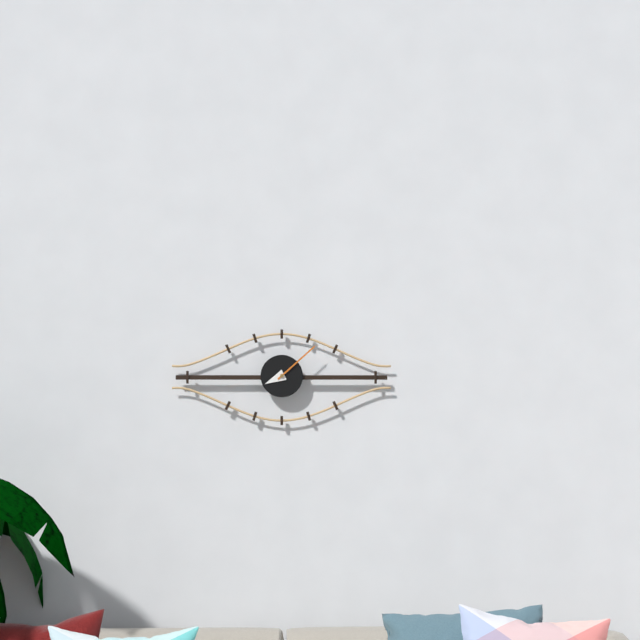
8h08
